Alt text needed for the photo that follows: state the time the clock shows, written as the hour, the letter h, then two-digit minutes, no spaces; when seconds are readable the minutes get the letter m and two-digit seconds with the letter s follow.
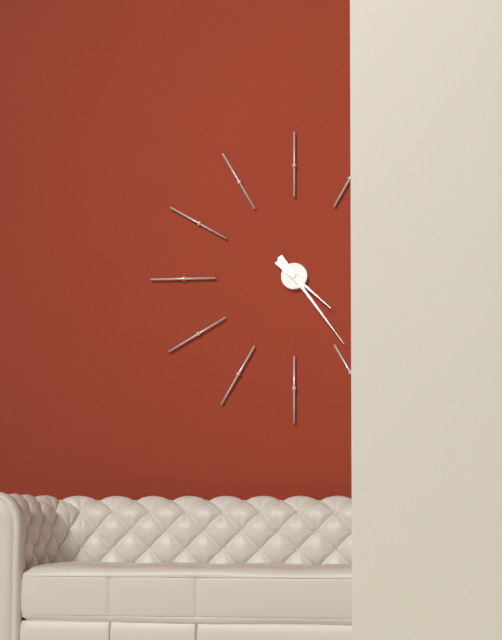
4h24
